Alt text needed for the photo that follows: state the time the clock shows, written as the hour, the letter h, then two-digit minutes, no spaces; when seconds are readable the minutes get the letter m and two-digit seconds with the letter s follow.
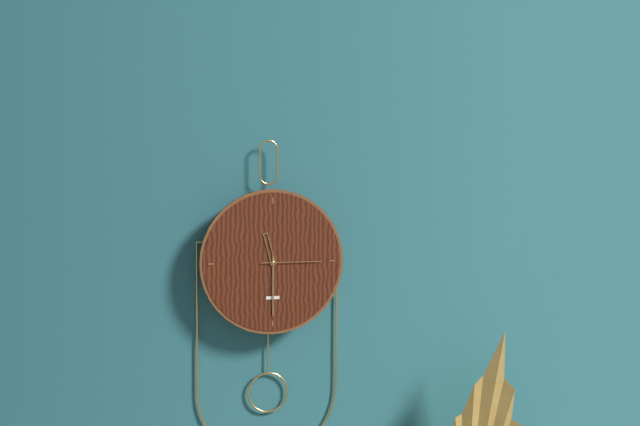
11h30m15s
